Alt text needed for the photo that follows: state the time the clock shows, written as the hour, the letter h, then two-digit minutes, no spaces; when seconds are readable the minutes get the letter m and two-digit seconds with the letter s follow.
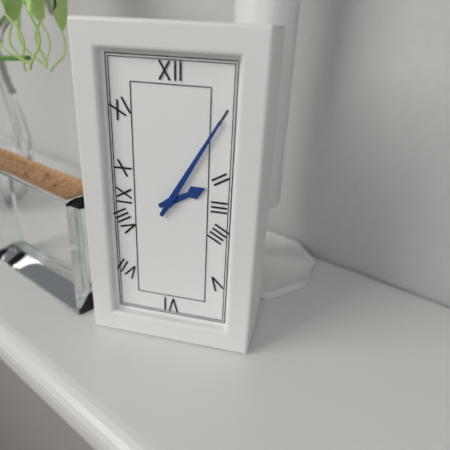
2h05
